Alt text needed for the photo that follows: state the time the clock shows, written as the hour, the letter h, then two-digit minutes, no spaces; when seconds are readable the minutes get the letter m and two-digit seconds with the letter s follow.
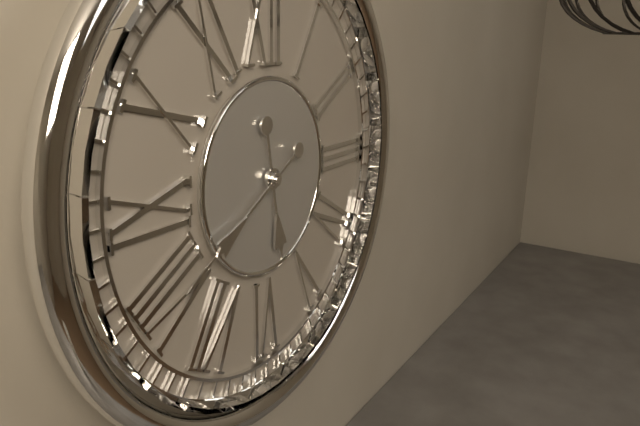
5h40
